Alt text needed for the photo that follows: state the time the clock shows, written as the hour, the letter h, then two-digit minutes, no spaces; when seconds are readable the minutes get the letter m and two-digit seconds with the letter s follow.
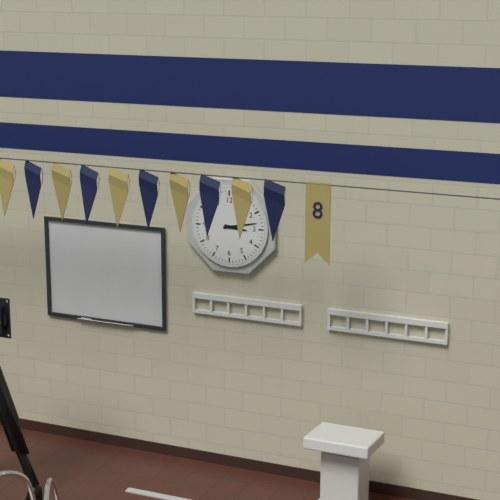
3h13
